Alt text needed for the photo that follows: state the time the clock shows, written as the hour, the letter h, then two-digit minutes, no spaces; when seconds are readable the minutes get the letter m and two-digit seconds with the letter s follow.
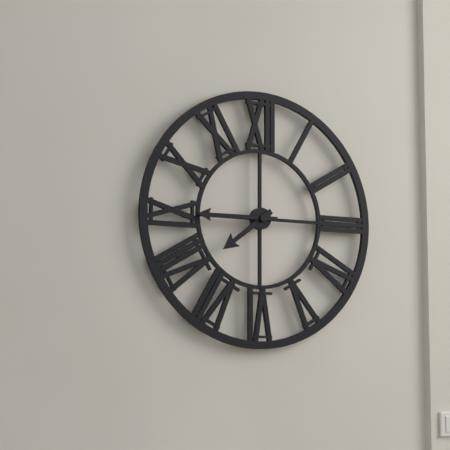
7h45
